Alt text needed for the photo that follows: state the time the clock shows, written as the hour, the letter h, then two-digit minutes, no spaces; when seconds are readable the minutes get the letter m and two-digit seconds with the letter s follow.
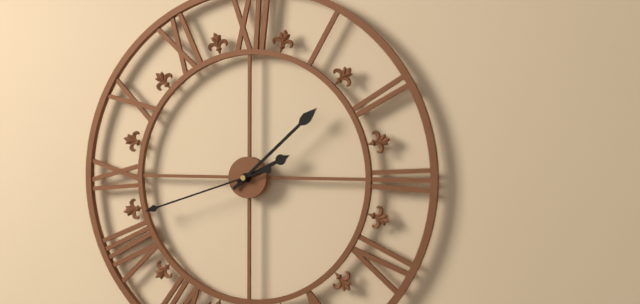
2h08m42s
